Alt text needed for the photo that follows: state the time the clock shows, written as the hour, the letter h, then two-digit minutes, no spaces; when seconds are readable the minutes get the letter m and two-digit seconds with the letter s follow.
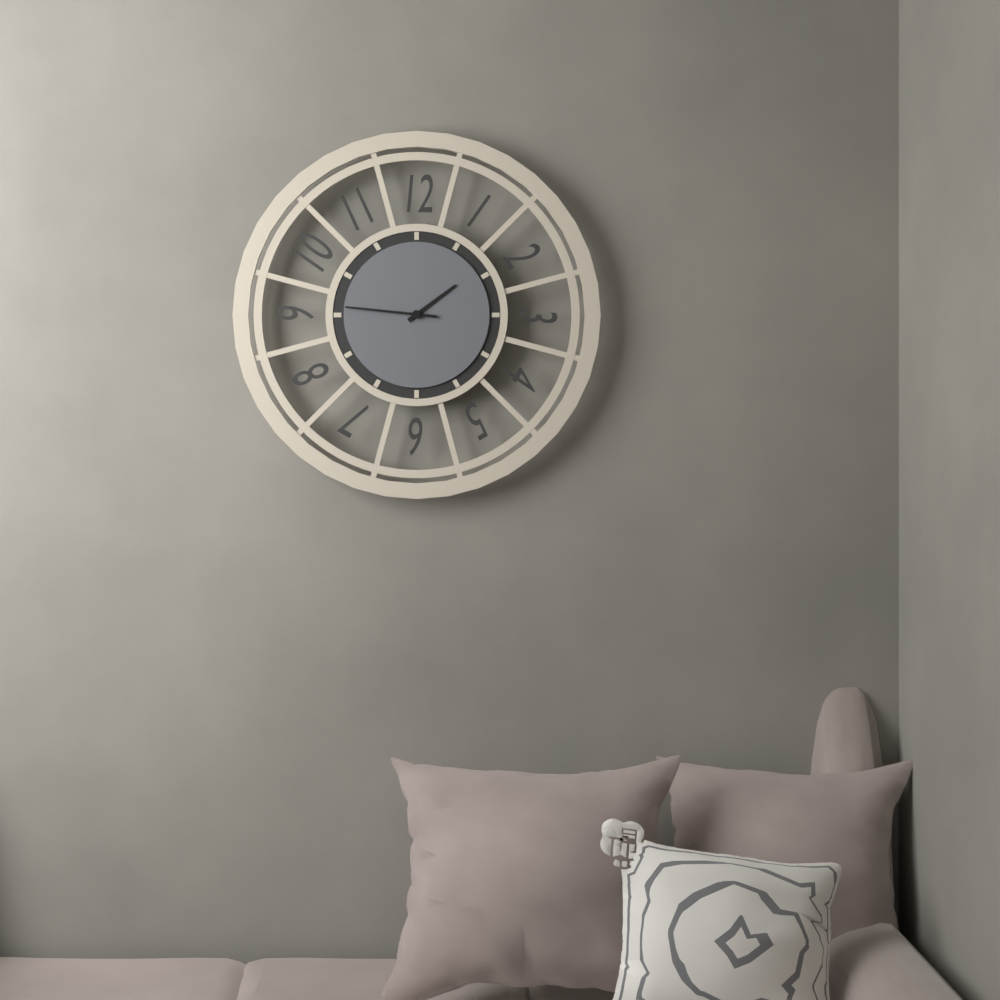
1h46
